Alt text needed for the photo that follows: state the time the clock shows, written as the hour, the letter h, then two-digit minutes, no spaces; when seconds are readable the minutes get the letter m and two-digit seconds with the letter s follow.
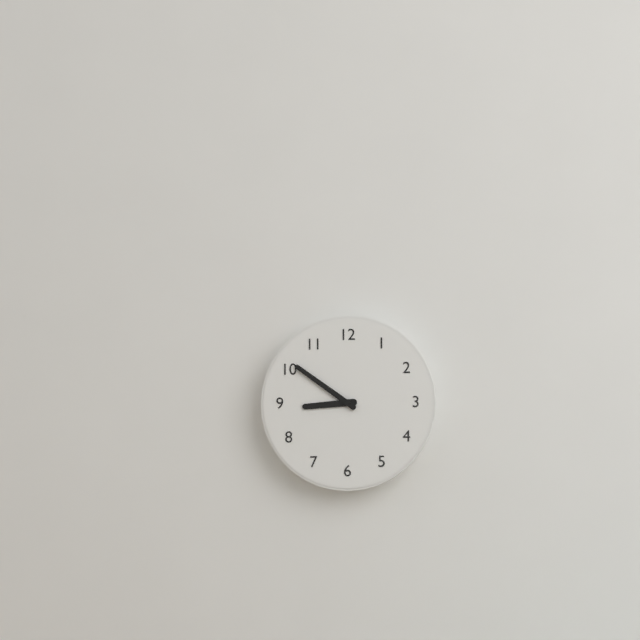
8h51
